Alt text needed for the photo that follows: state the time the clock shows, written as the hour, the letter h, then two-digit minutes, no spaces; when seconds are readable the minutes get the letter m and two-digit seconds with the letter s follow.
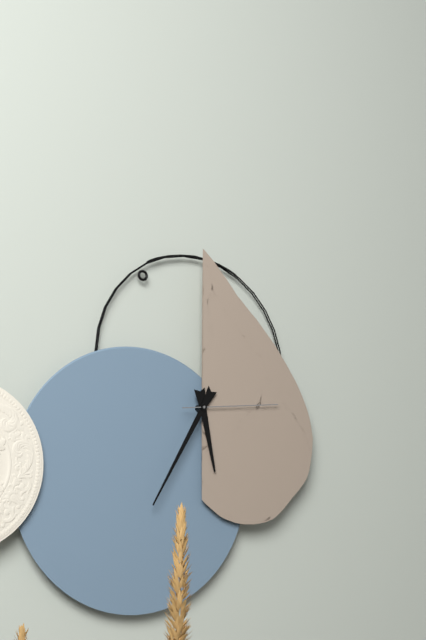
5h35m14s
